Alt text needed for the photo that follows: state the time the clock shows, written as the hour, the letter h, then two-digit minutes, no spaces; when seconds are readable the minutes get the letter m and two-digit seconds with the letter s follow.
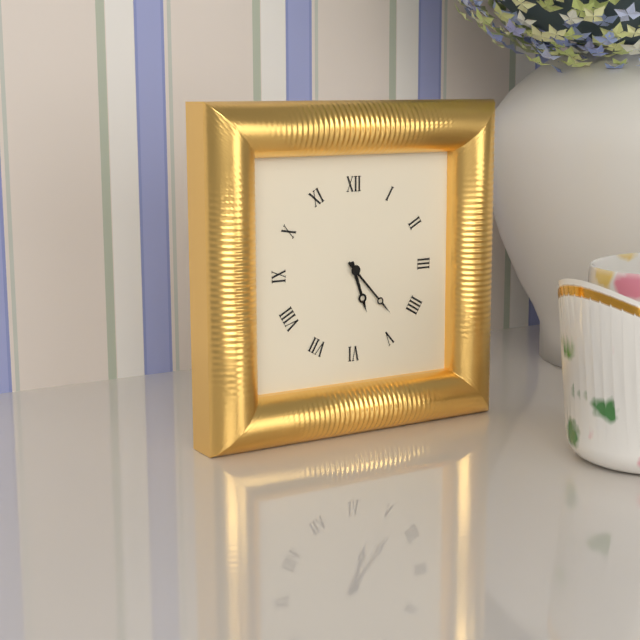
5h23
